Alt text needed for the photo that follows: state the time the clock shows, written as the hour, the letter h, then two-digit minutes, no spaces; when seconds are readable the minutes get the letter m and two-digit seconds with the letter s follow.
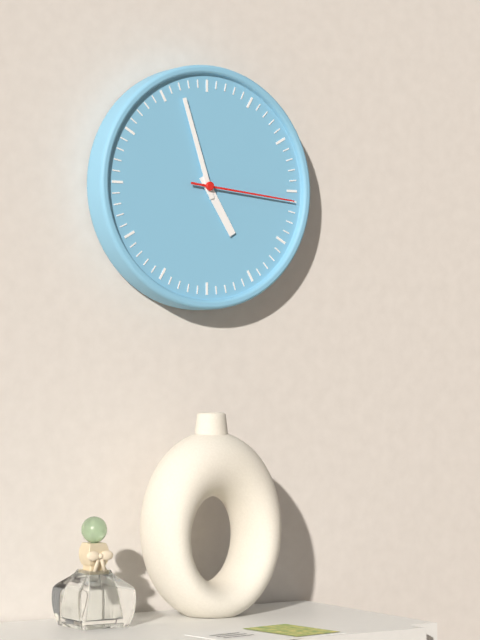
4h57m16s
